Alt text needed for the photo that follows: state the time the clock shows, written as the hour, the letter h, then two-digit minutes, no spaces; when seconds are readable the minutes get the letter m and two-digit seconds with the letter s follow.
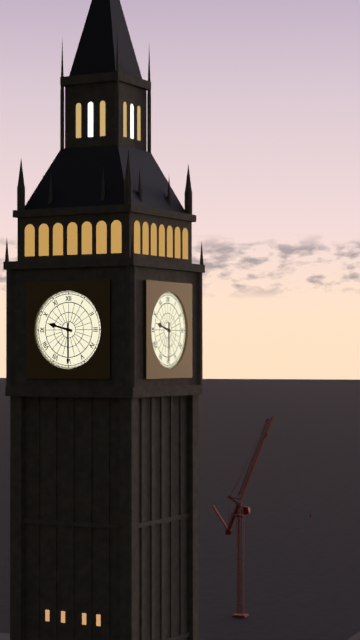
9h30
